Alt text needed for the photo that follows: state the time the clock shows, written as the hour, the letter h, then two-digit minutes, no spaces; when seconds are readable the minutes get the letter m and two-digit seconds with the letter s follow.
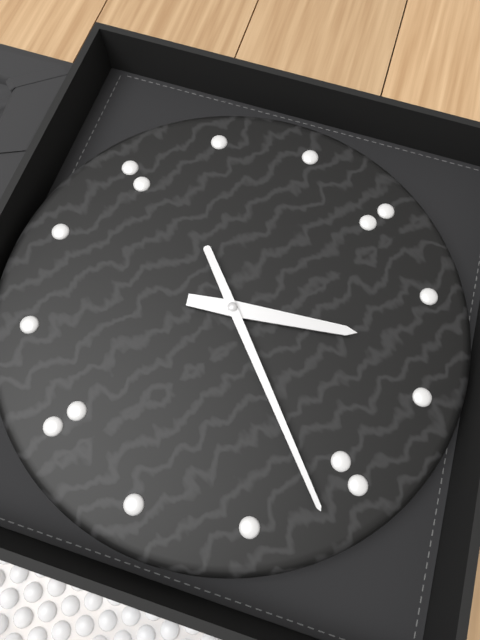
4h32
